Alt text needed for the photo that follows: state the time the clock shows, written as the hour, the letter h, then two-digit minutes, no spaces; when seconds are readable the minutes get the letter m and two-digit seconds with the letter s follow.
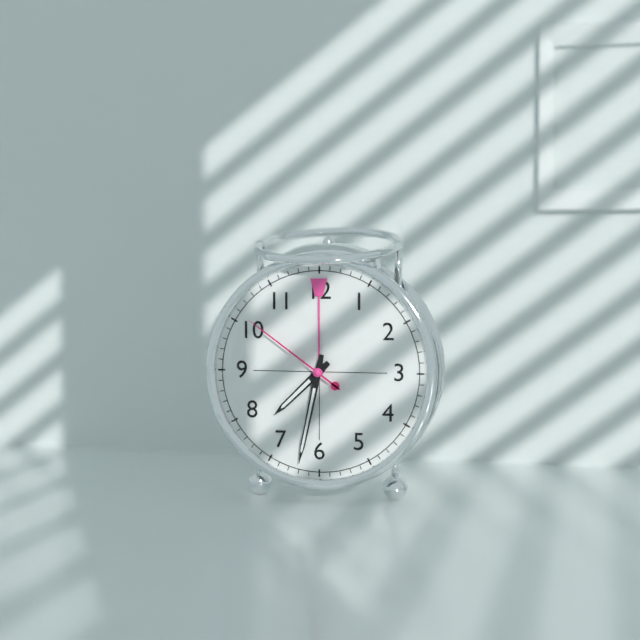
7h32m51s
